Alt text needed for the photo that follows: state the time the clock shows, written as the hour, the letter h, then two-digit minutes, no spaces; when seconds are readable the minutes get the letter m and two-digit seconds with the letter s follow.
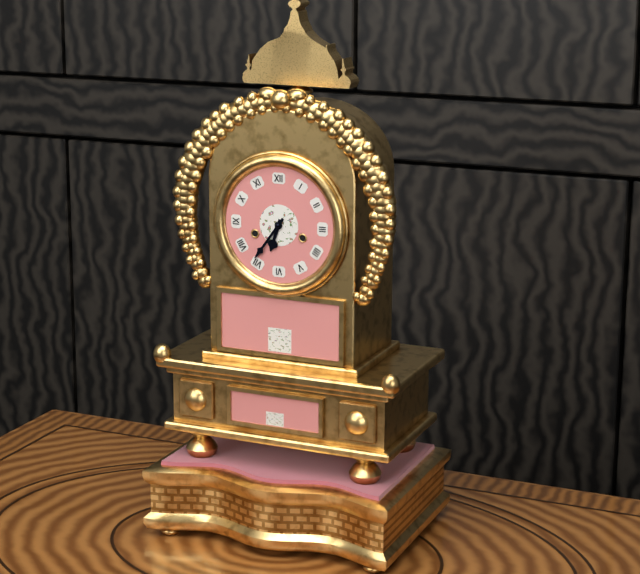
6h36
